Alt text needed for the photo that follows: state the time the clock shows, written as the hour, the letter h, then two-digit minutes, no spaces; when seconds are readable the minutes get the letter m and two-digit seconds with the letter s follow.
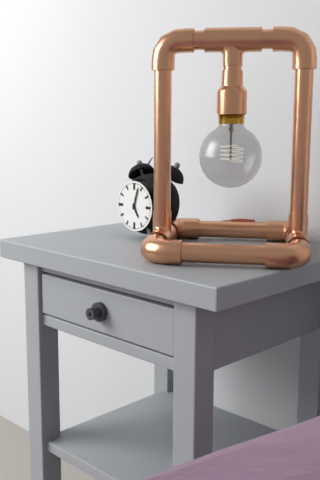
5h03
